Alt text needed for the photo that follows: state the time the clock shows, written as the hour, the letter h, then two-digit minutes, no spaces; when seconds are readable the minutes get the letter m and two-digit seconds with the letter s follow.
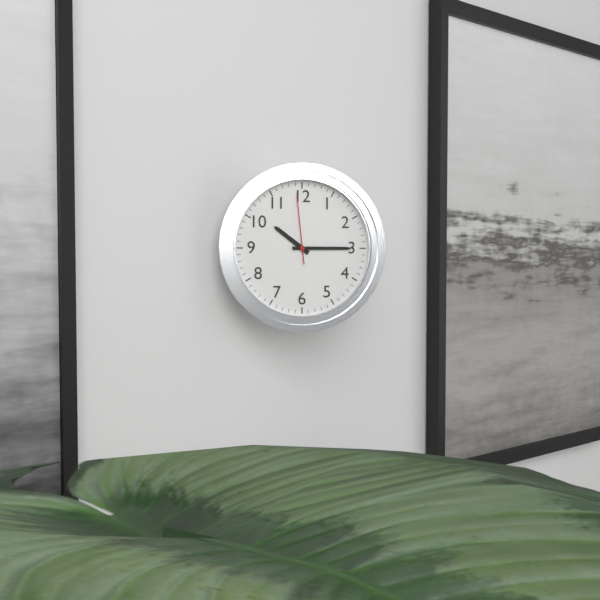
10h15m59s
